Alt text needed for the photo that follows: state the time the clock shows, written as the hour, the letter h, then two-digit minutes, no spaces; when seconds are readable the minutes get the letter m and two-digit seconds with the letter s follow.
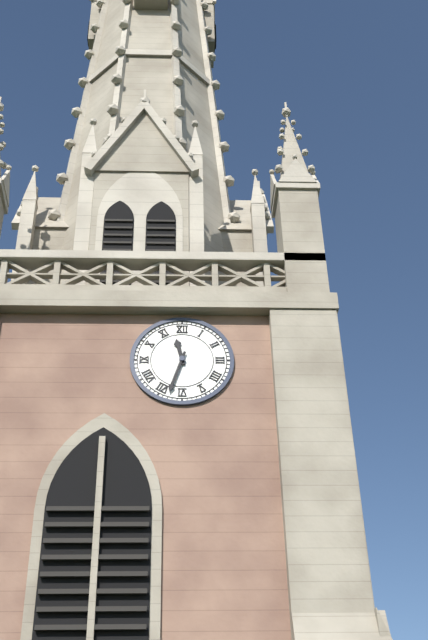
11h33
